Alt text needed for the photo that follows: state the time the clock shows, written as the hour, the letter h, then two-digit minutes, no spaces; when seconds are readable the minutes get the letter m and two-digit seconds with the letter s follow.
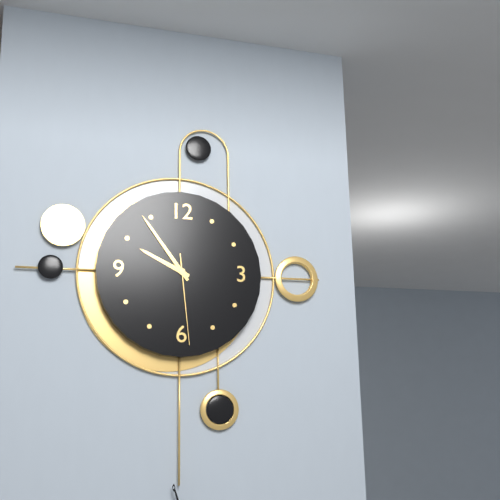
9h54m29s
